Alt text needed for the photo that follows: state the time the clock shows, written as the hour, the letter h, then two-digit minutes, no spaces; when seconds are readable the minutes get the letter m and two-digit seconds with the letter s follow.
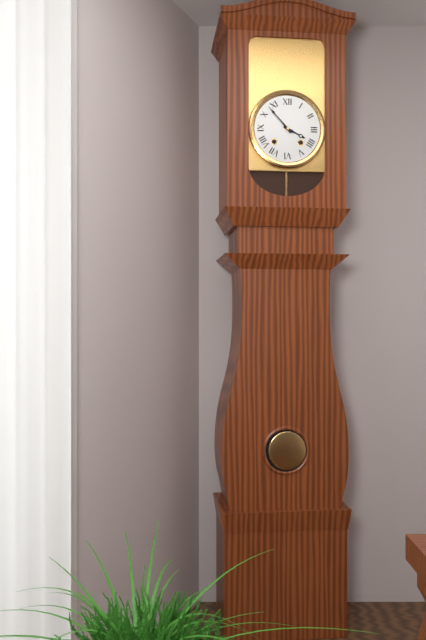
3h53
